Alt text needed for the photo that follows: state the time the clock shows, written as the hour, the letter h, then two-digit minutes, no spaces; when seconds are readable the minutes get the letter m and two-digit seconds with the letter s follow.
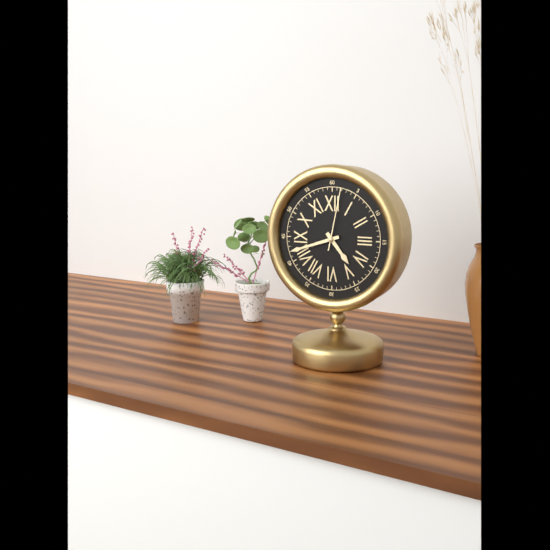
4h42m02s
